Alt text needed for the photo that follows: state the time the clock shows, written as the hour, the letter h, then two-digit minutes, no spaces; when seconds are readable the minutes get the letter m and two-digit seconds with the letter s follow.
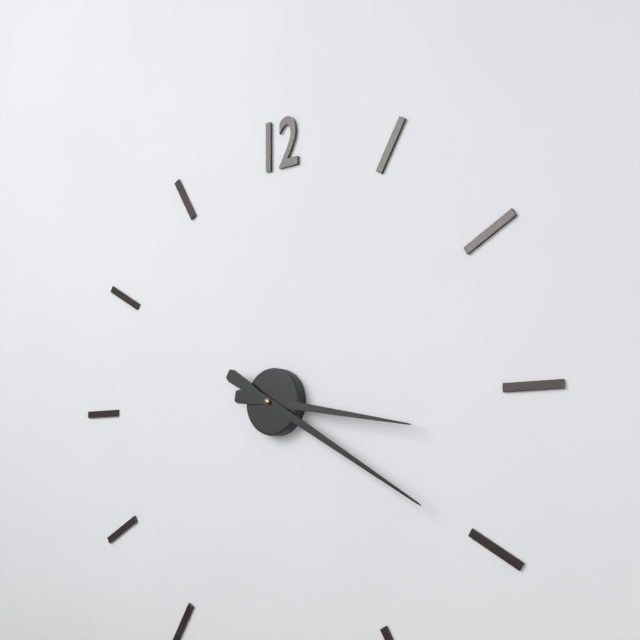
3h20
